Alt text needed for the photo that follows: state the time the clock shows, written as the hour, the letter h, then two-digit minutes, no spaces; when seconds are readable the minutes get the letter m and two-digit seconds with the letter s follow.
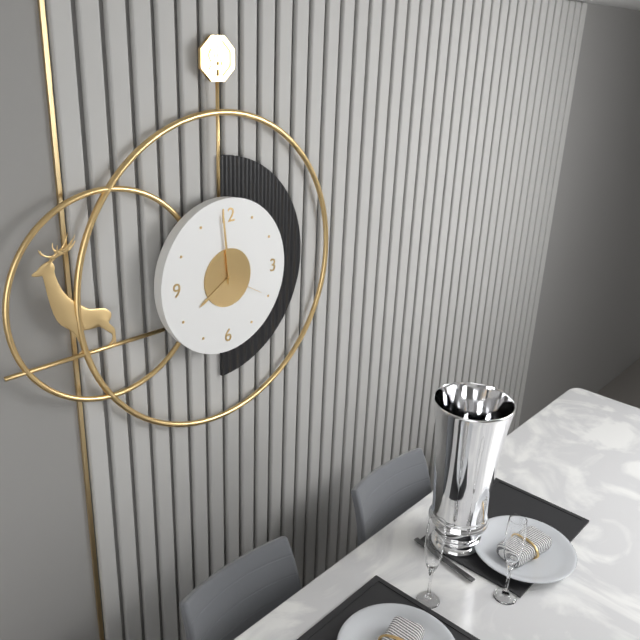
7h59
